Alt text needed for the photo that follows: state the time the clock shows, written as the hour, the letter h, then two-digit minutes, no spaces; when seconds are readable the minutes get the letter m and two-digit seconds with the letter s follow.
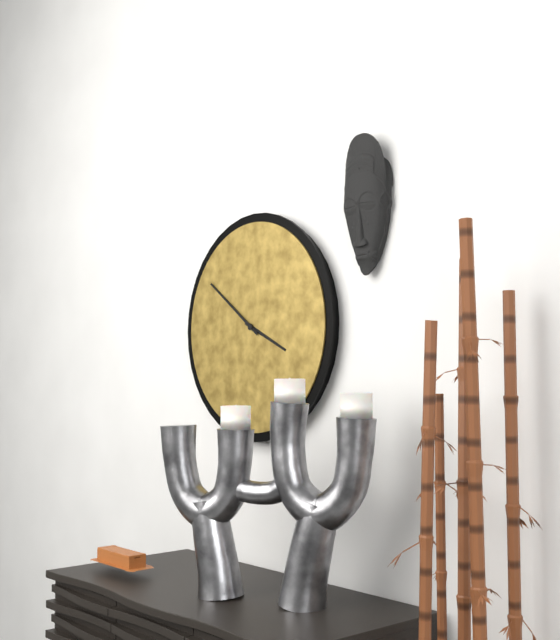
3h51
